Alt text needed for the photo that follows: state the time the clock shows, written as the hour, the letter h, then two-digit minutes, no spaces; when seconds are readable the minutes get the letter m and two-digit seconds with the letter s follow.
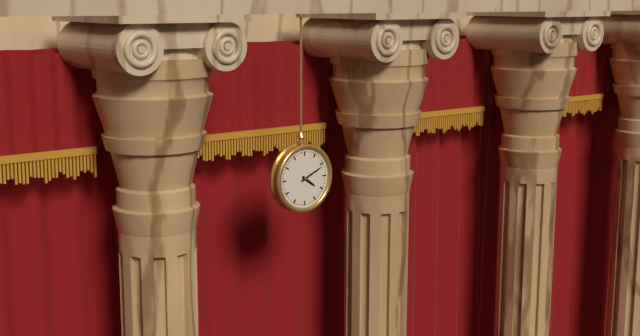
4h11
